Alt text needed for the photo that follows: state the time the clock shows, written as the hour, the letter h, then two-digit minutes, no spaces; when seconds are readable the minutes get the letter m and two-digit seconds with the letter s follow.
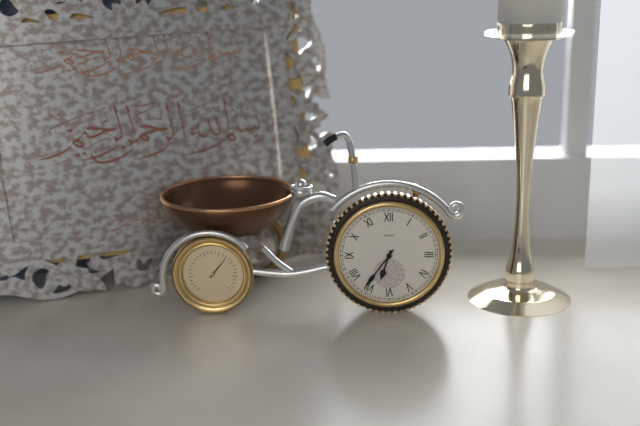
6h36
